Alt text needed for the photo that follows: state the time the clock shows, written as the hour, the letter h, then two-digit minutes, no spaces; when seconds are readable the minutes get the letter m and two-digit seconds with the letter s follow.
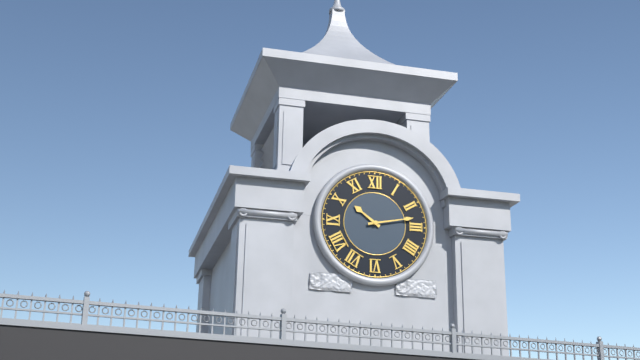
10h13
